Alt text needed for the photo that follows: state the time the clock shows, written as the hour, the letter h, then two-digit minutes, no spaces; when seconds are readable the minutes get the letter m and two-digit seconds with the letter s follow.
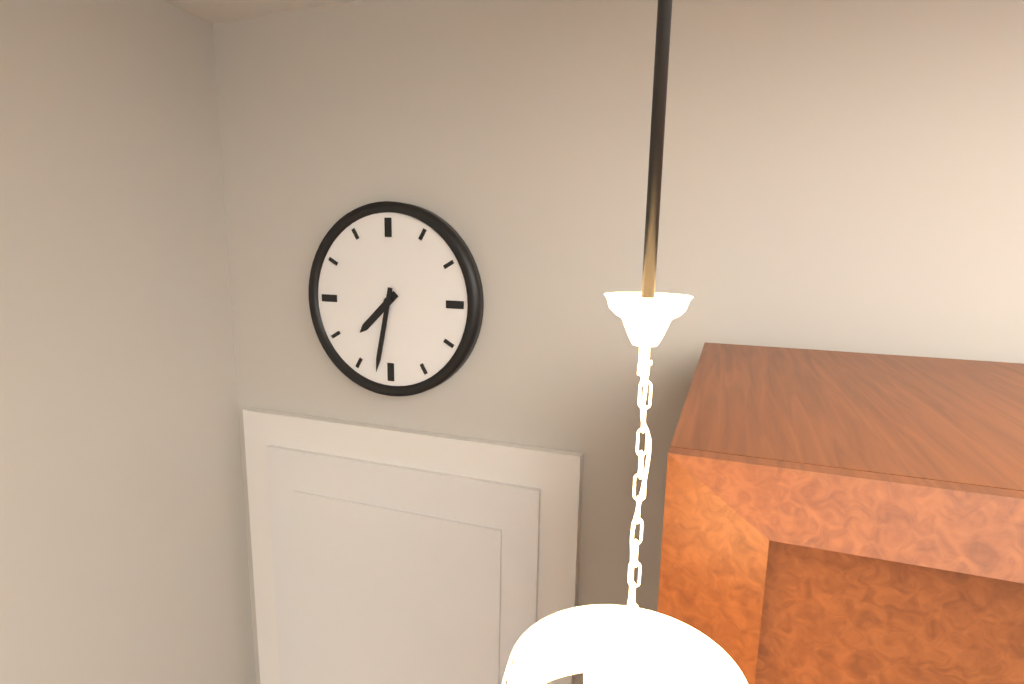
7h32
